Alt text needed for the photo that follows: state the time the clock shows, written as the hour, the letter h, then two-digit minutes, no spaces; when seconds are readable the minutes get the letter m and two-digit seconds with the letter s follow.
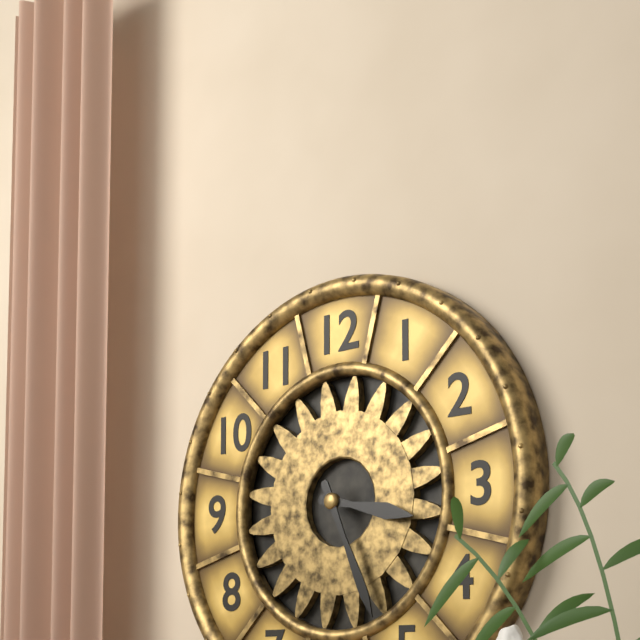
3h26
